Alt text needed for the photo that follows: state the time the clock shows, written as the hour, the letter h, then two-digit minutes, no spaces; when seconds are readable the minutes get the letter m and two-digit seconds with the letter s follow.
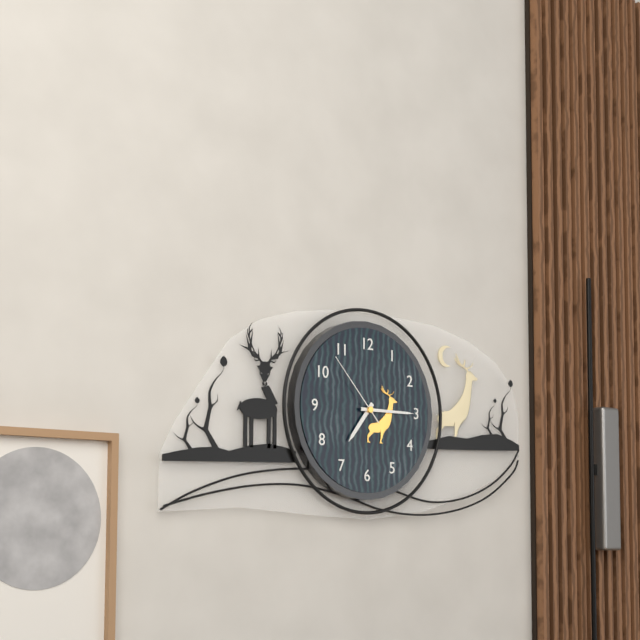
7h15m53s
